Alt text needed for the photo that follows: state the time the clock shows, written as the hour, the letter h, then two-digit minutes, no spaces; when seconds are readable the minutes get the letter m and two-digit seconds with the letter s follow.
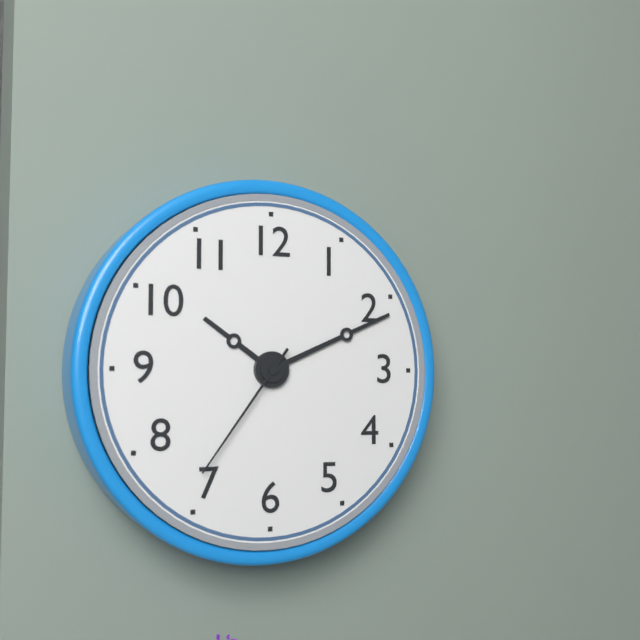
10h11m36s
